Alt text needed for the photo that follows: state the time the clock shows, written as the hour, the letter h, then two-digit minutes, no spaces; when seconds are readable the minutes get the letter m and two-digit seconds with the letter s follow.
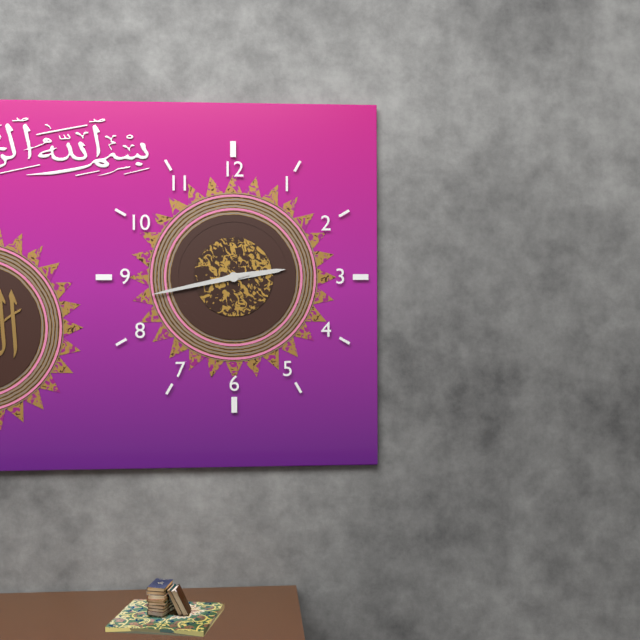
2h43
